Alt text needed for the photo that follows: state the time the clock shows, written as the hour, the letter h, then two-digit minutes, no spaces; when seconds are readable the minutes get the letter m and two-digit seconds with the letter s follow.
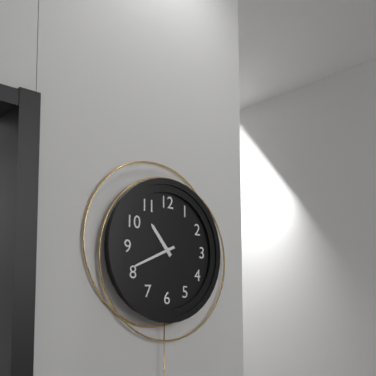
10h41
